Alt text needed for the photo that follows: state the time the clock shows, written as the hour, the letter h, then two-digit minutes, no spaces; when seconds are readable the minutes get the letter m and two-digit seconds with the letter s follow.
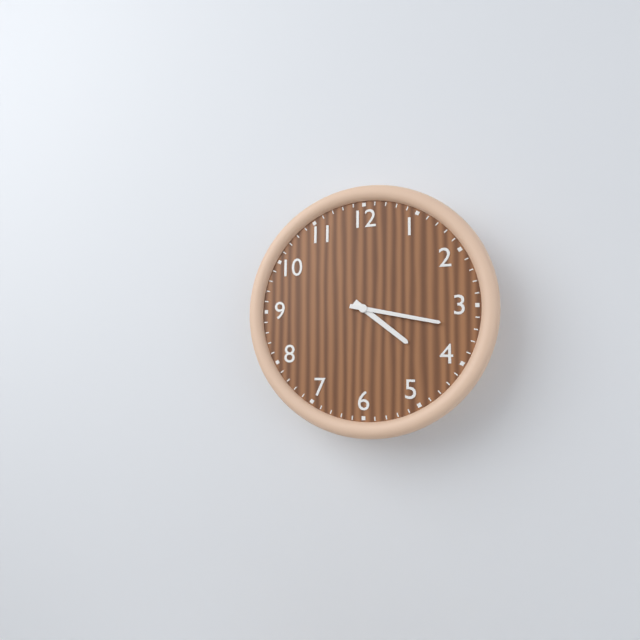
4h17
